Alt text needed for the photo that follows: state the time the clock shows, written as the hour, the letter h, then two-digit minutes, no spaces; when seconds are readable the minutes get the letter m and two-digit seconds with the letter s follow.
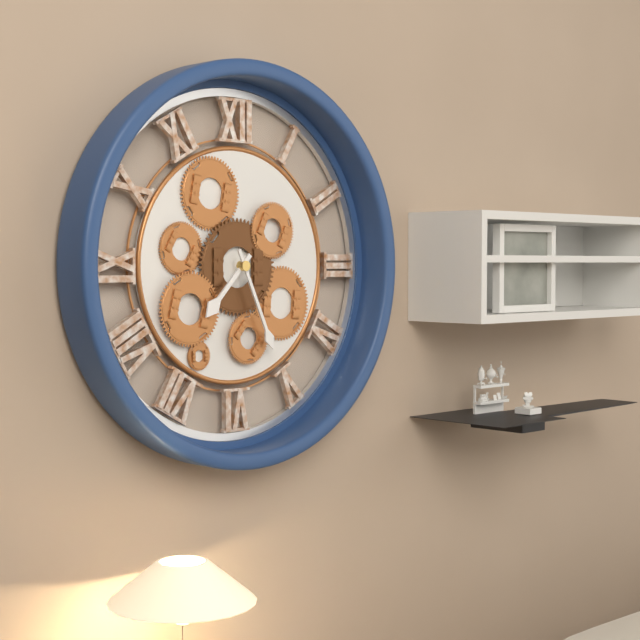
7h26
